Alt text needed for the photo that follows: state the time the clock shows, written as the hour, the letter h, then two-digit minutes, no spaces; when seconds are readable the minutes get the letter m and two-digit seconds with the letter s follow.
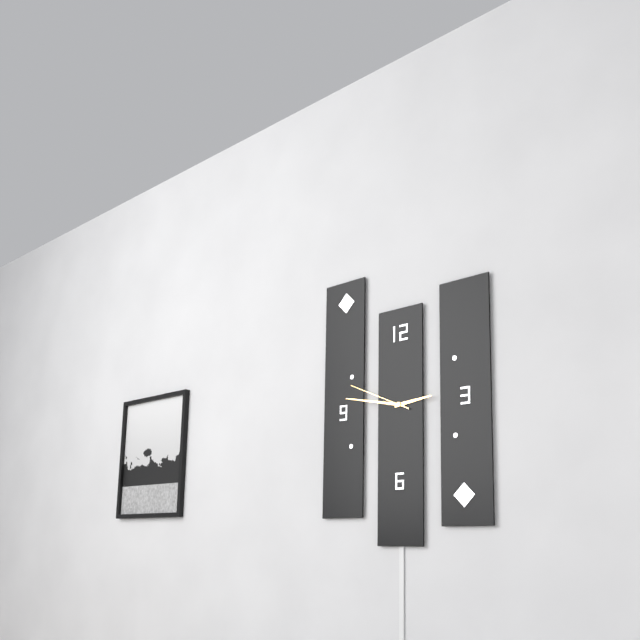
2h47m49s
